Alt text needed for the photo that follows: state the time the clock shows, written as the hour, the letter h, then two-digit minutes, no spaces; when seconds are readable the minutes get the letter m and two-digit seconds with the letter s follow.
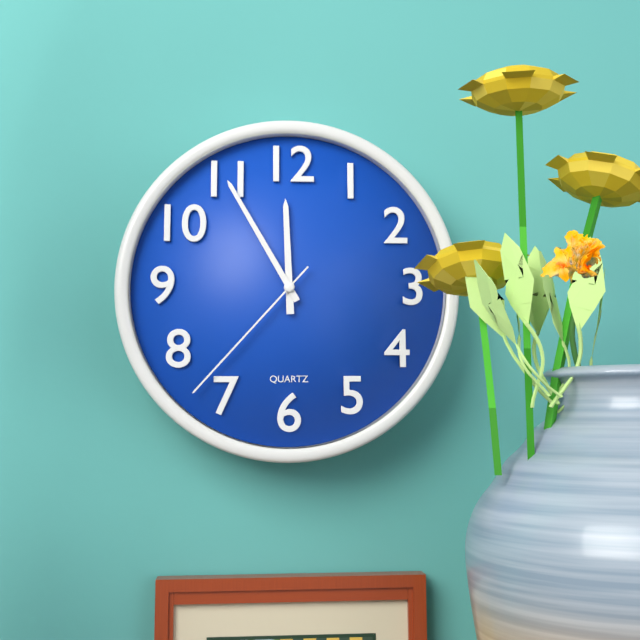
11h55m37s
